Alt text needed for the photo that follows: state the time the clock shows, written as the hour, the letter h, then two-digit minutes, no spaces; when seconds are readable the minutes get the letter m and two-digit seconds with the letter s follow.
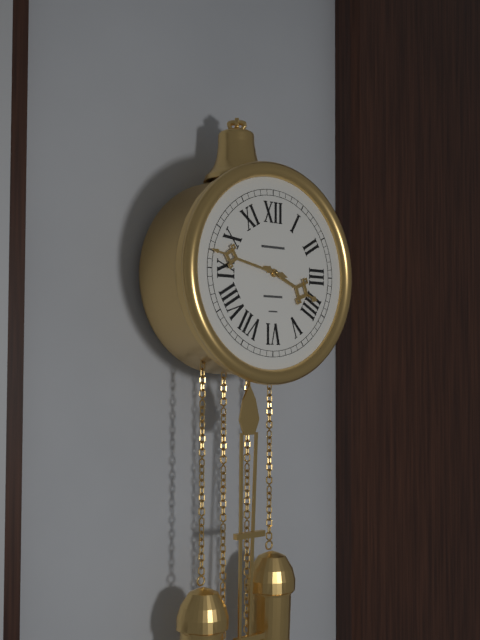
3h47
